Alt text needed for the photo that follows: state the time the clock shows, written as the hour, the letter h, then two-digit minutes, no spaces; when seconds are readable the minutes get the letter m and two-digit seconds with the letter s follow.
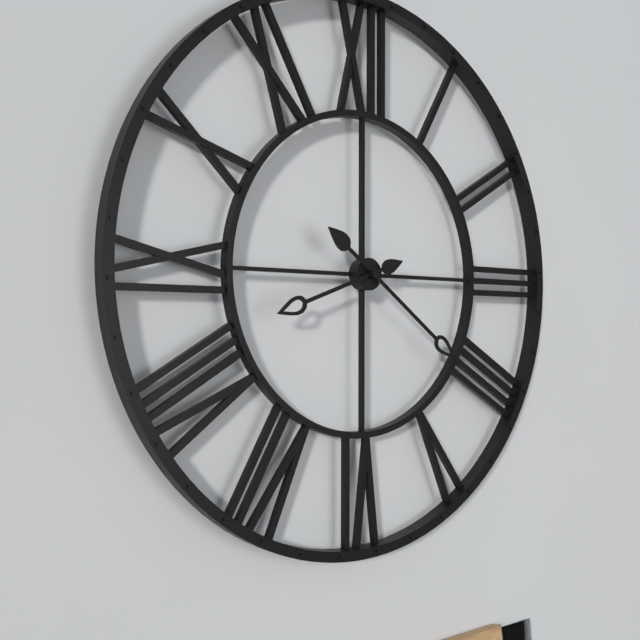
8h21
